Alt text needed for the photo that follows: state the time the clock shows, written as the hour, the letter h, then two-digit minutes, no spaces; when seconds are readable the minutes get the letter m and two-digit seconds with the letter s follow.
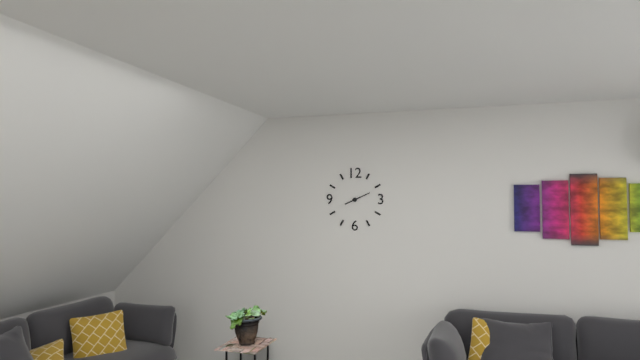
8h11
